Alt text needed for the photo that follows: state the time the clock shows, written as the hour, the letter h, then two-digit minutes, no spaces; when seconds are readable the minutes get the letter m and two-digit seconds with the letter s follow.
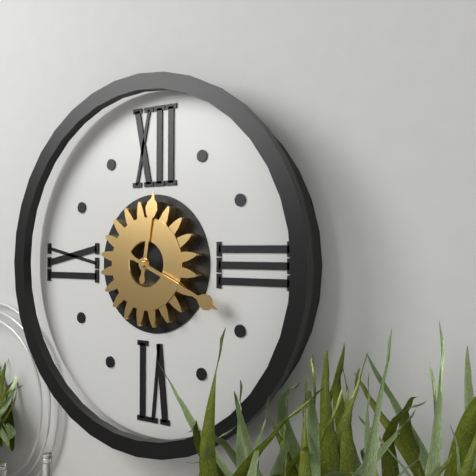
12h19
